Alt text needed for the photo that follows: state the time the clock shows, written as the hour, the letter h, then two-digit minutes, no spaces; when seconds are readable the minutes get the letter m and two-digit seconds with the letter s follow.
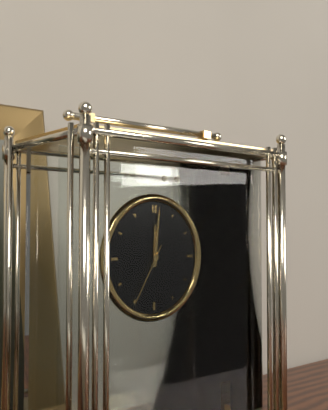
12h01m35s
